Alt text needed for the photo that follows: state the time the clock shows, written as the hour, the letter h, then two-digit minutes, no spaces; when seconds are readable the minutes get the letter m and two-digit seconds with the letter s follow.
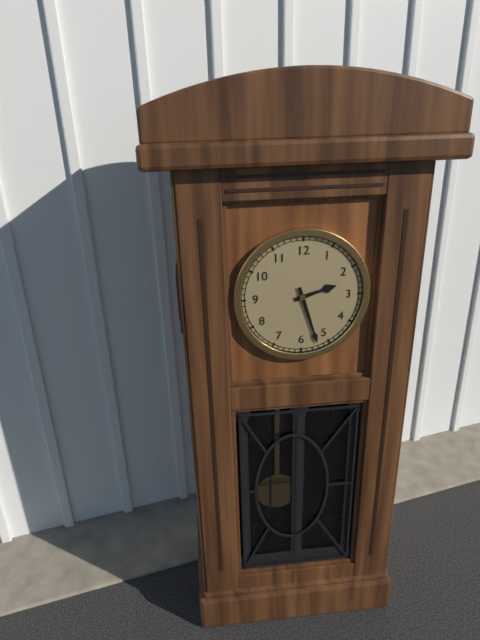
2h27
